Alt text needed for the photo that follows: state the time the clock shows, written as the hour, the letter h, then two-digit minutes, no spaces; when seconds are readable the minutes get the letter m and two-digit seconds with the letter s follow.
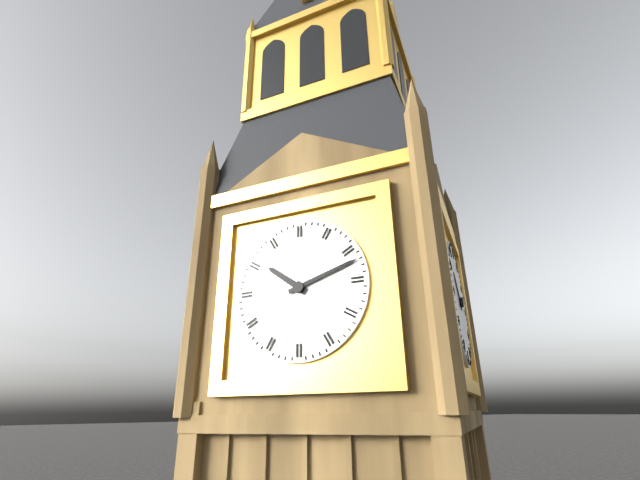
10h12
